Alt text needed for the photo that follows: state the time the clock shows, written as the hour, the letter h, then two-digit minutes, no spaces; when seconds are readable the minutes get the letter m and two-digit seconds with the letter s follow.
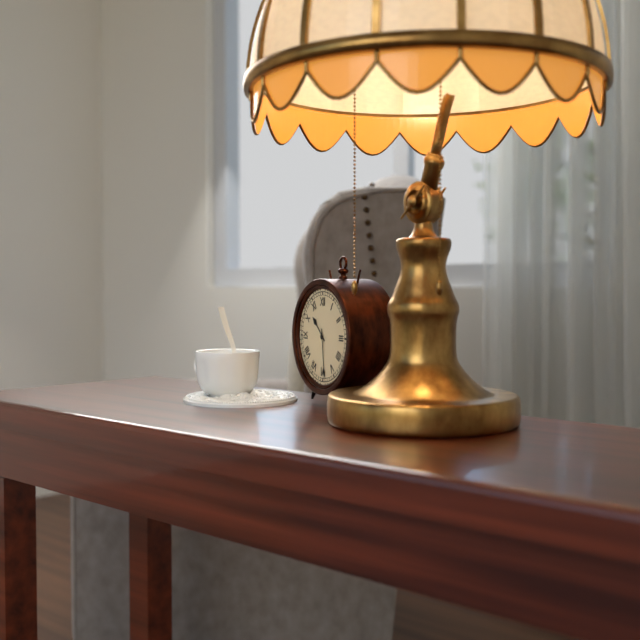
10h29
